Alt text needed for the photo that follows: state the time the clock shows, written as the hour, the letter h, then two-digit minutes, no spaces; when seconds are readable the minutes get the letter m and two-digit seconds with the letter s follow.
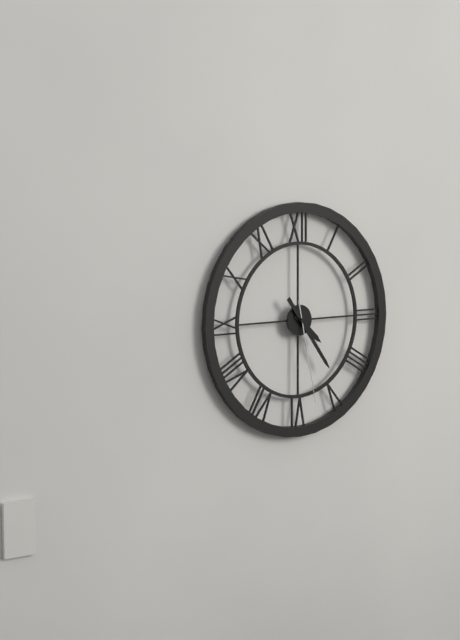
4h24m28s
